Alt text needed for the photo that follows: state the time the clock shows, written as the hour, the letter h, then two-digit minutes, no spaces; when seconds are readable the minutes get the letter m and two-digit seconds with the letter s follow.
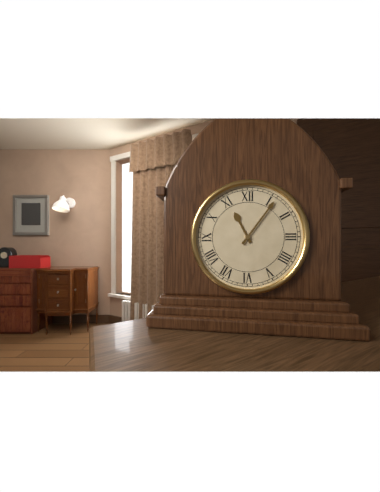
11h06
